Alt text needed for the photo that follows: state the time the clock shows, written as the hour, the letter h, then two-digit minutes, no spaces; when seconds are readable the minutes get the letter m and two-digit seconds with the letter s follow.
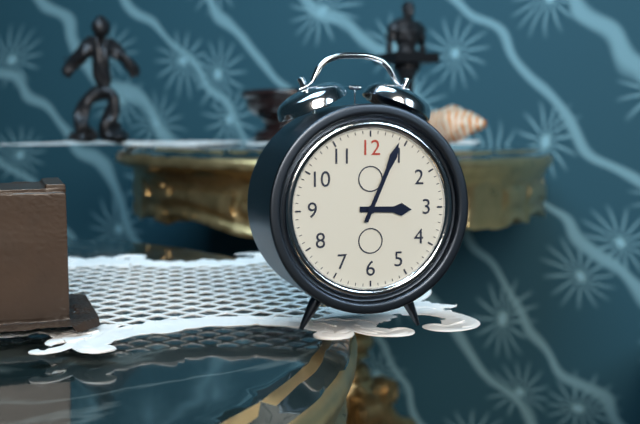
3h04
